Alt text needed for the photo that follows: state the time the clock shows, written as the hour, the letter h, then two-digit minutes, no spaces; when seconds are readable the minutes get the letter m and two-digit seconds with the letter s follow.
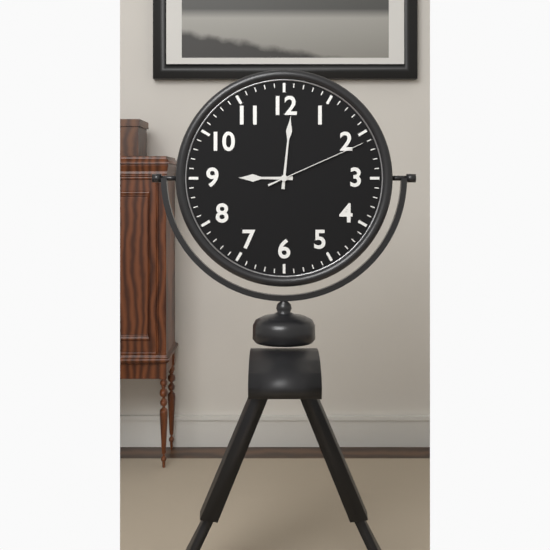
9h01m11s
